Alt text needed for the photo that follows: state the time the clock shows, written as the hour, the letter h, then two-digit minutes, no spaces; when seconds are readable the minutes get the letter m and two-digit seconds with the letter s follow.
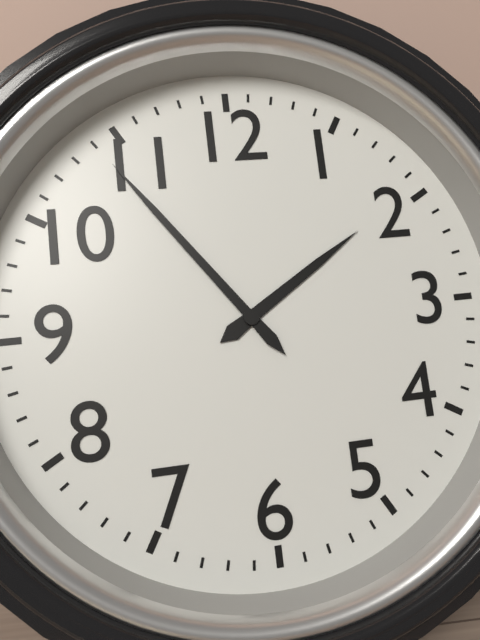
1h54
